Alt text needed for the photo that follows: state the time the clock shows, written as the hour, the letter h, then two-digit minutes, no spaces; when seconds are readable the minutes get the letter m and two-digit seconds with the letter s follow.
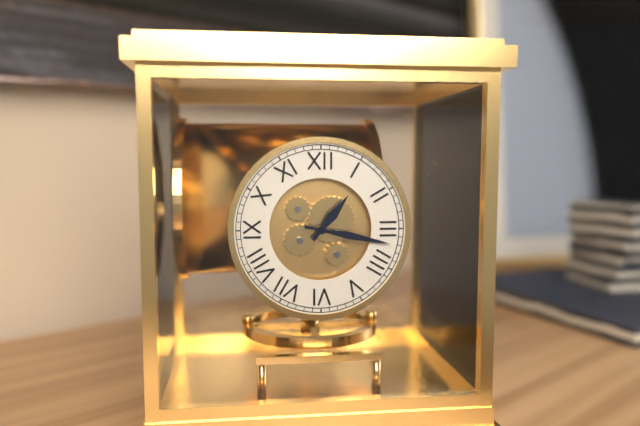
1h17
